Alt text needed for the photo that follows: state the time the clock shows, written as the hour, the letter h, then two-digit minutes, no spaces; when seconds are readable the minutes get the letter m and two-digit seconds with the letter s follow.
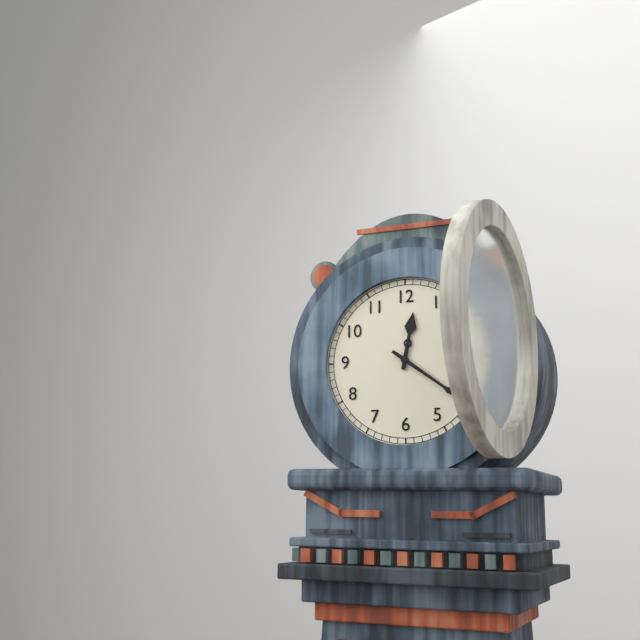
12h21
